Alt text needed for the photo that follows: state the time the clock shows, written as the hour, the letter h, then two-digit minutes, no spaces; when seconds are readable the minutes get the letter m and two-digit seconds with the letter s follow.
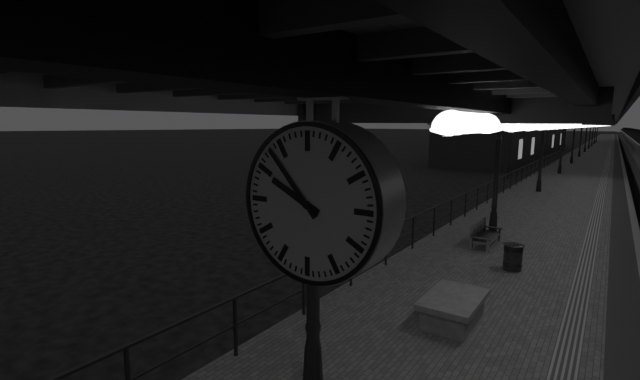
9h53
